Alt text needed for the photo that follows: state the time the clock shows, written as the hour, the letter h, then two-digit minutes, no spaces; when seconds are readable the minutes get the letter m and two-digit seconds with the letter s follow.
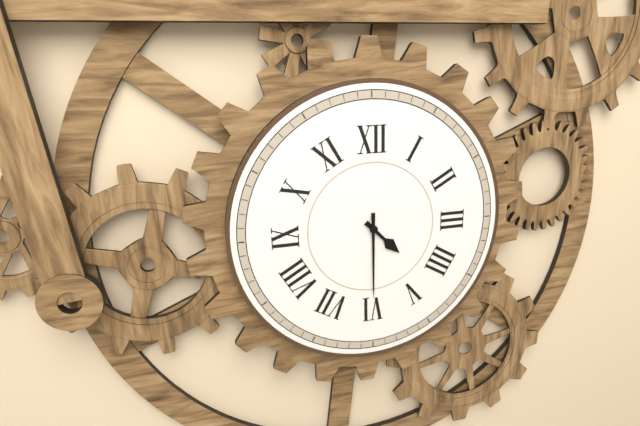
4h30
